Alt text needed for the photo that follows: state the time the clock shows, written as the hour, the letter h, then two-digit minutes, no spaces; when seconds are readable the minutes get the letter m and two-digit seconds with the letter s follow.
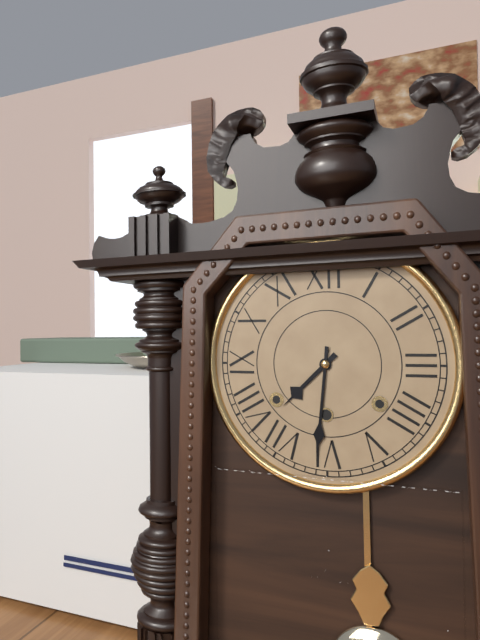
7h31
